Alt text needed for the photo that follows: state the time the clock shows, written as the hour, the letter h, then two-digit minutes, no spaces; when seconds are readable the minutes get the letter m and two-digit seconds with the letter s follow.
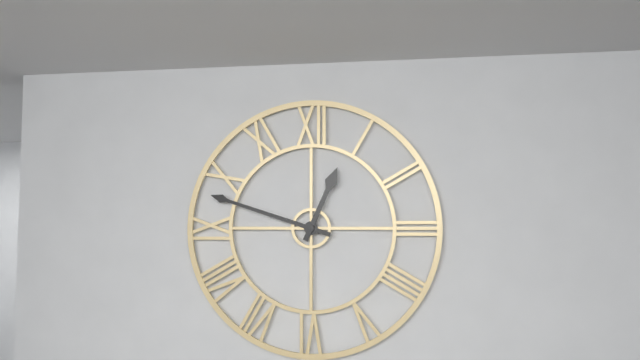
12h48
